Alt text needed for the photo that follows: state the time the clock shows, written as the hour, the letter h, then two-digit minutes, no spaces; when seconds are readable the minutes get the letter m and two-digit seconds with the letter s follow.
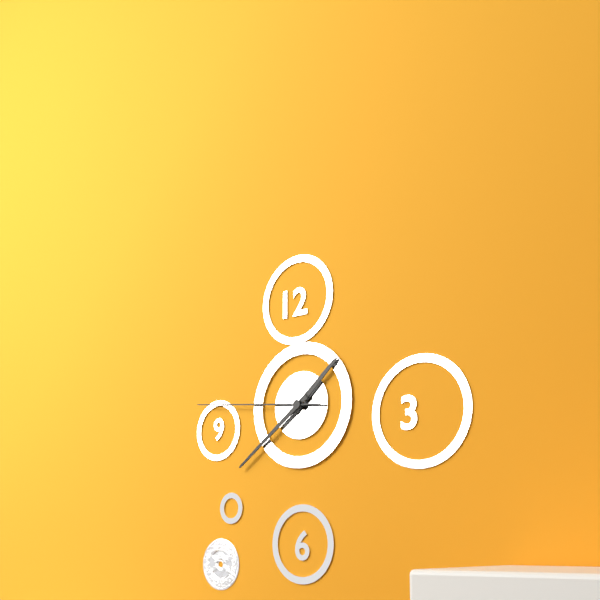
1h39m46s
